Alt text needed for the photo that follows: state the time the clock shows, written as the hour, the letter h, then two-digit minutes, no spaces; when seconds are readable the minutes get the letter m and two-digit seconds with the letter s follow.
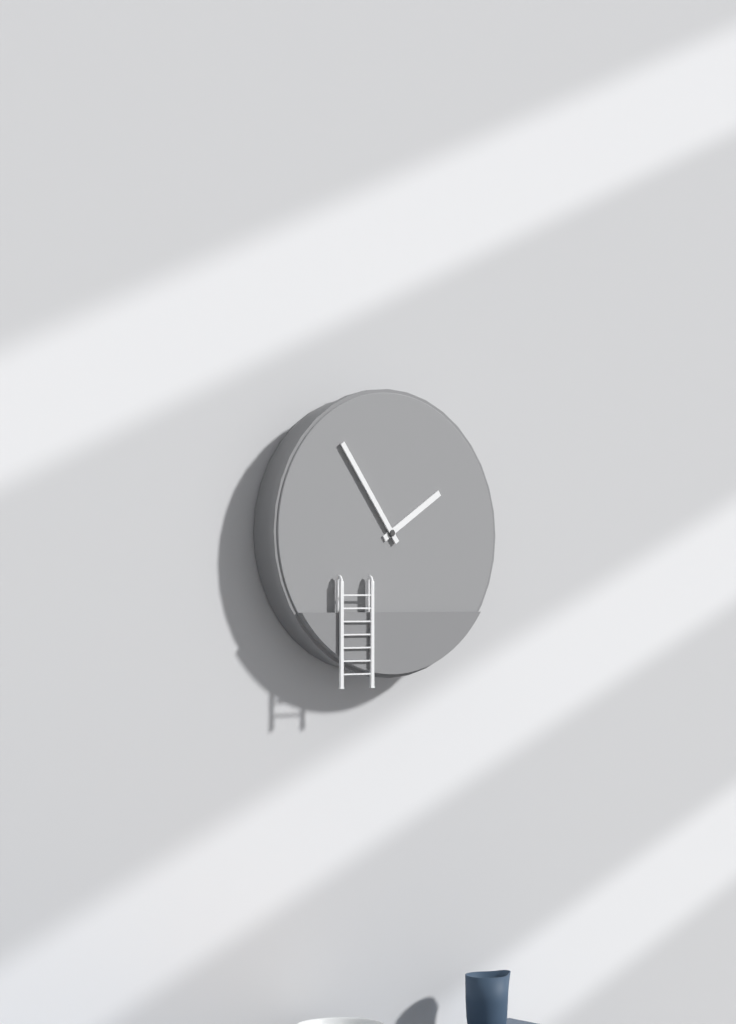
1h54
